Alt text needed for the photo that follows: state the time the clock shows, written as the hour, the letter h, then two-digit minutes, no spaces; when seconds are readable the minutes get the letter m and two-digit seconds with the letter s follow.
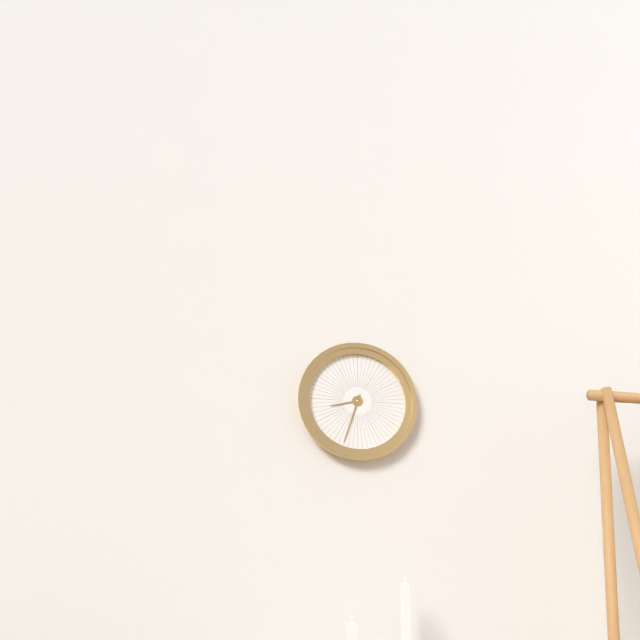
8h33
